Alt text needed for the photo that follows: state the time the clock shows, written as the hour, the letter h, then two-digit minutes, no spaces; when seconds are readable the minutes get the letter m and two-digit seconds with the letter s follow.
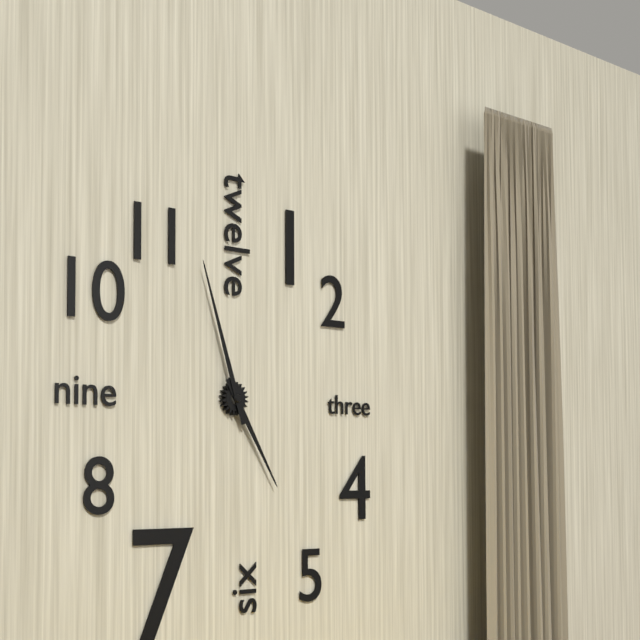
4h57
